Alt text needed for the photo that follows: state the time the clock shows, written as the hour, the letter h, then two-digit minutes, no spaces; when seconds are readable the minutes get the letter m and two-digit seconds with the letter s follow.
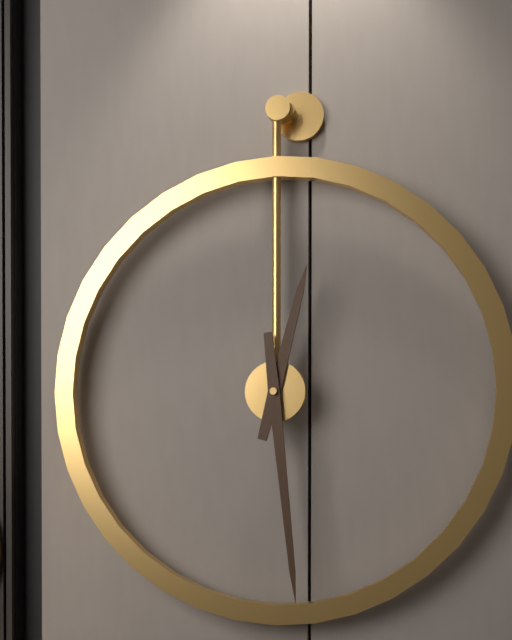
12h29
